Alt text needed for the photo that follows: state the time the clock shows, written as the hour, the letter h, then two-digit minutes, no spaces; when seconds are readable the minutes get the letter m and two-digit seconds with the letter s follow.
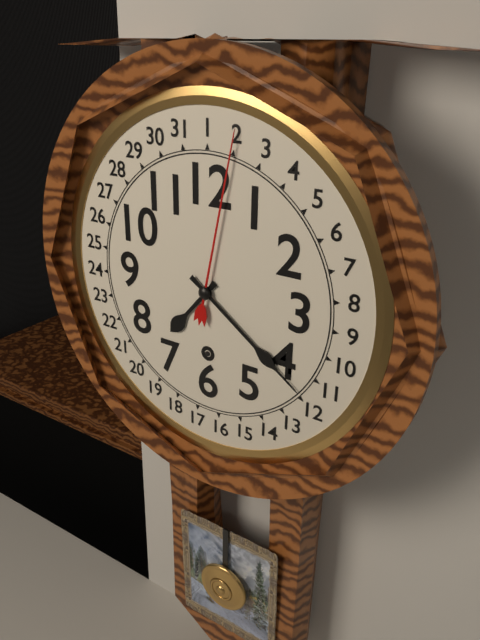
7h21
